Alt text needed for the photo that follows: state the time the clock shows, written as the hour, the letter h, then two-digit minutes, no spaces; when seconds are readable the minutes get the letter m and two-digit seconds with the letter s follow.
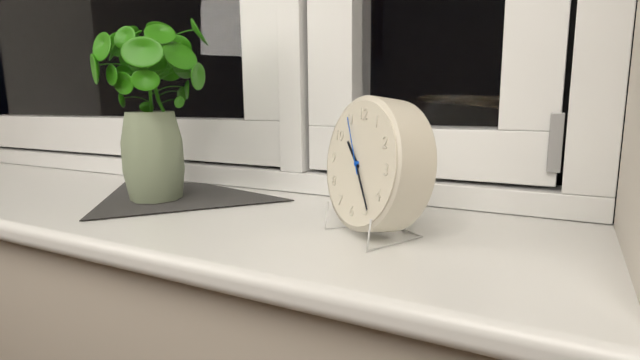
10h24m55s
